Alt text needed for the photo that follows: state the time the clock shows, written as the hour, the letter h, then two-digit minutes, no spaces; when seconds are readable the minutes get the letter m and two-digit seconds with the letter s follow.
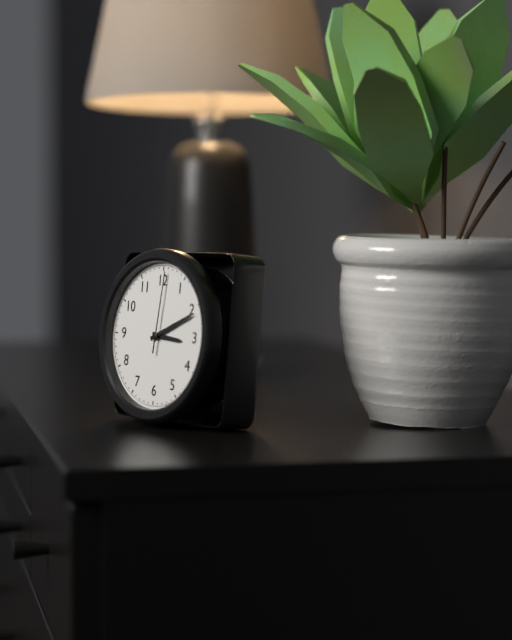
3h11m01s
